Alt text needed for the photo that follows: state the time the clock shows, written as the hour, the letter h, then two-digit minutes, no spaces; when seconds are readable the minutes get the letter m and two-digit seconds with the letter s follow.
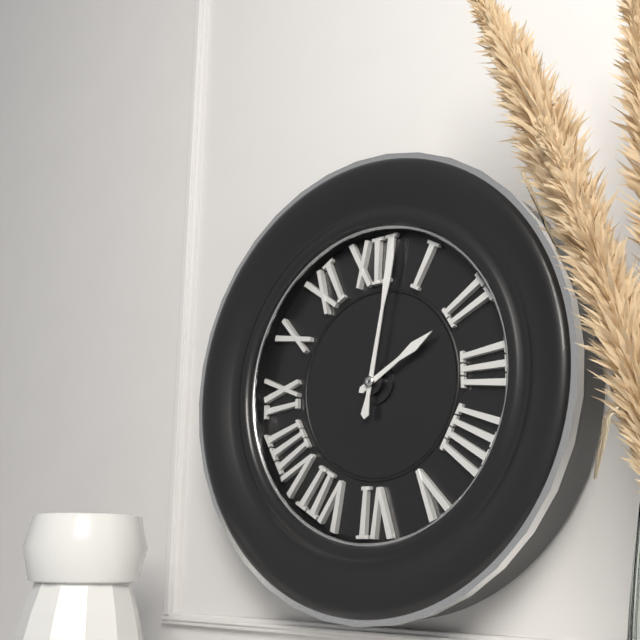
2h02
